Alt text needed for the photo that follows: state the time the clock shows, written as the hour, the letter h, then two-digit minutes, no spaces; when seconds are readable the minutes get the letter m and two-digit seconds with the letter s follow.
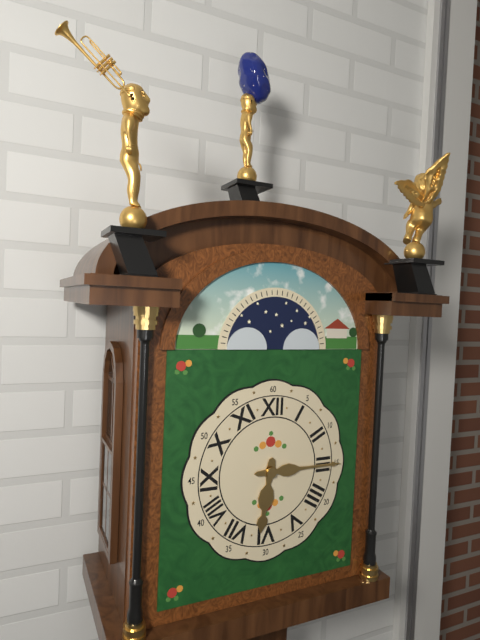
6h15
